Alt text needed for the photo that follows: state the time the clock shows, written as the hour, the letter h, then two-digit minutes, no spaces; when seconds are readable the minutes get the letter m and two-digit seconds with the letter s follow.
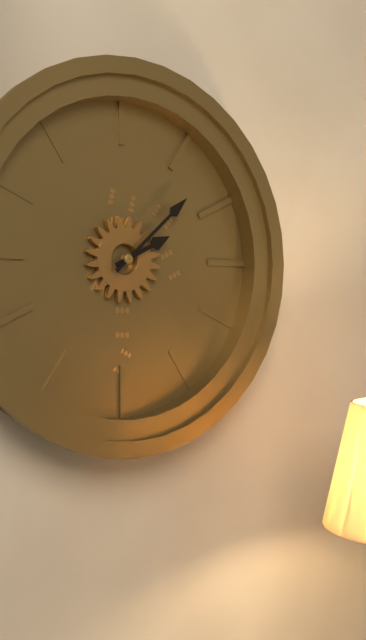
2h08
